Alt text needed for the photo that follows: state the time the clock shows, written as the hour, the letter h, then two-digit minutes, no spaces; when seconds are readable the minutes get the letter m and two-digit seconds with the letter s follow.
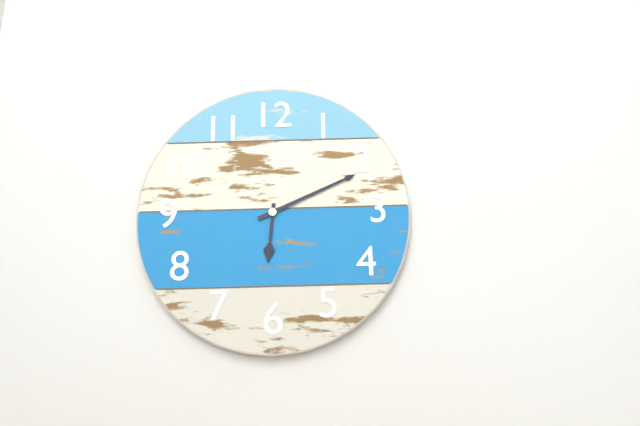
6h11
